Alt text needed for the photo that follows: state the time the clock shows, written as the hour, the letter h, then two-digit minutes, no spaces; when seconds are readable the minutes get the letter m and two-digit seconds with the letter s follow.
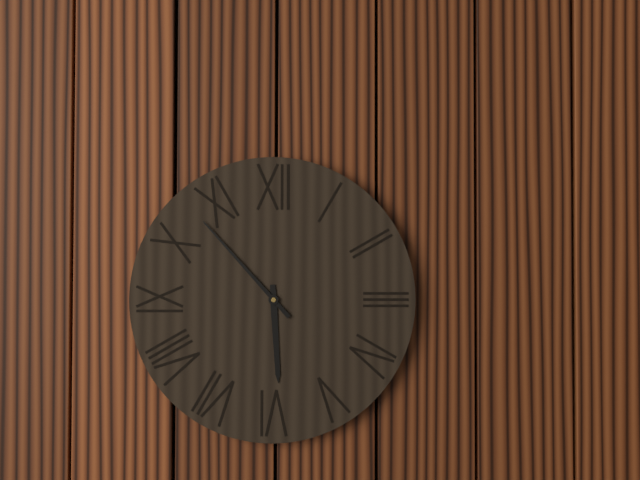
5h53
